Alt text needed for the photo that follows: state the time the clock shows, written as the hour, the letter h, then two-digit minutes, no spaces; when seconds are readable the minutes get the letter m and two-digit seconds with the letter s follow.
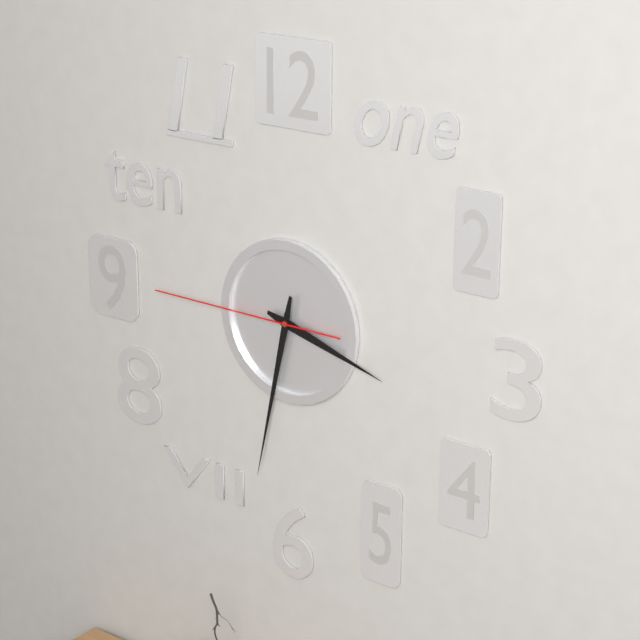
3h32m45s
